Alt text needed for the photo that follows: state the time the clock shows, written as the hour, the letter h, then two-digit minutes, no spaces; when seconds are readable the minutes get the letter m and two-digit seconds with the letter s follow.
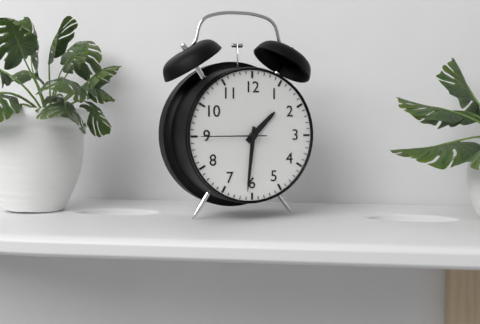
1h31m45s
